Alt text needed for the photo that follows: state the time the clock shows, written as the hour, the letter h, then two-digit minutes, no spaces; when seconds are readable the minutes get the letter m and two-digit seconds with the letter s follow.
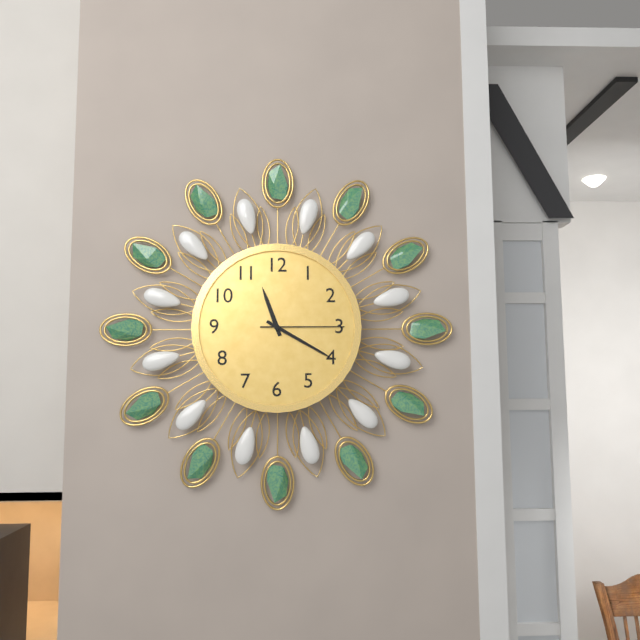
11h20m15s
